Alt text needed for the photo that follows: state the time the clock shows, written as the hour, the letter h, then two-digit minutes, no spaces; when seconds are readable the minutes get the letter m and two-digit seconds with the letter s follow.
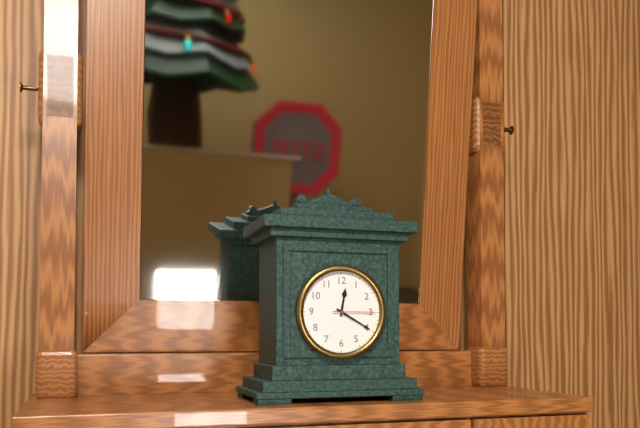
12h20
